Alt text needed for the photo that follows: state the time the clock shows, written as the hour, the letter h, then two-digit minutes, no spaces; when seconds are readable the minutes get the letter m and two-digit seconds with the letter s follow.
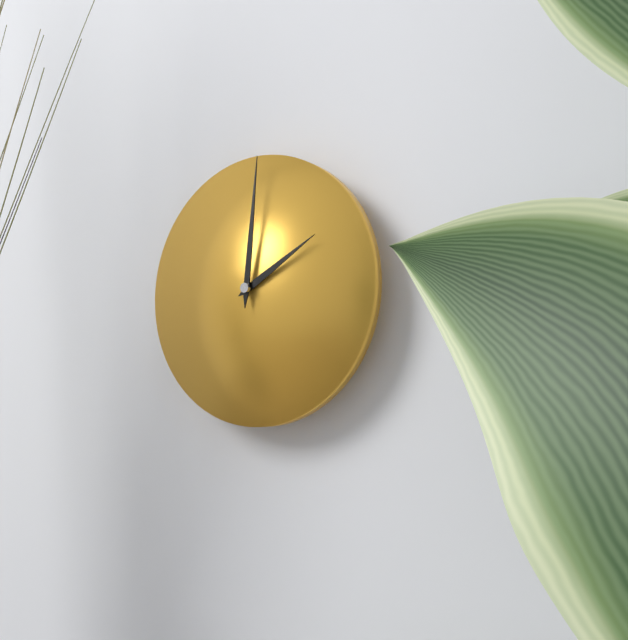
2h01
